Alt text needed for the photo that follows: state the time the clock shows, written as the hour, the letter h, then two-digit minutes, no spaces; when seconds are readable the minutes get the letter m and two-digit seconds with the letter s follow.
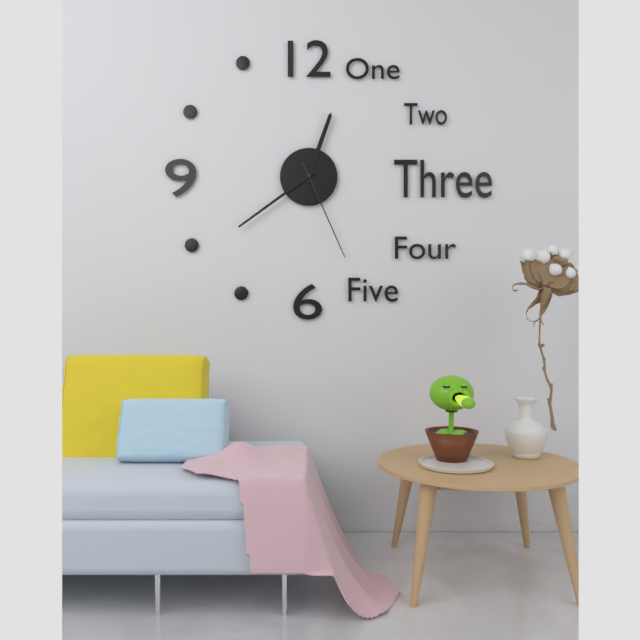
12h39m26s
